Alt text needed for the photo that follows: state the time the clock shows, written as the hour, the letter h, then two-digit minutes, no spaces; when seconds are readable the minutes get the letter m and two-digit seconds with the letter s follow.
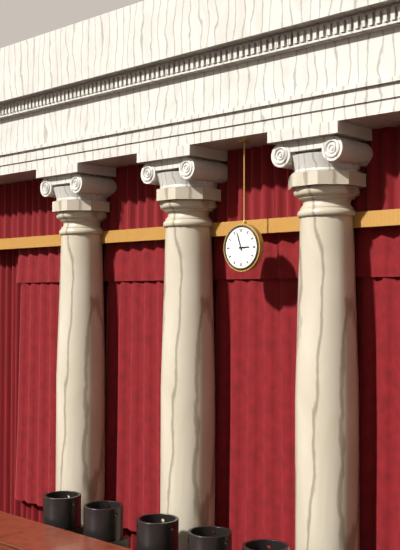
2h57
